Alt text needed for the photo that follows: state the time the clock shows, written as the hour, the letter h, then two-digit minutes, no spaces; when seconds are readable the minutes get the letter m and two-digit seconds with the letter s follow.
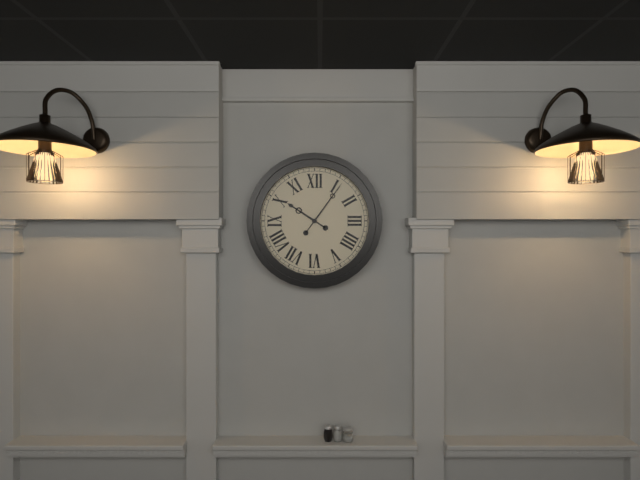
10h06
